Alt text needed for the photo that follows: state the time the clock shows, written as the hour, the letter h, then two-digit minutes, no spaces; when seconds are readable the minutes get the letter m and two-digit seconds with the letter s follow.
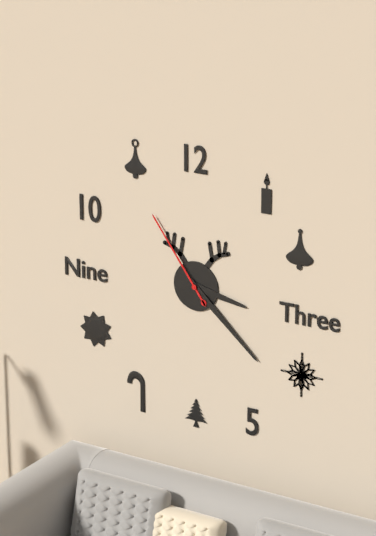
3h22m54s
